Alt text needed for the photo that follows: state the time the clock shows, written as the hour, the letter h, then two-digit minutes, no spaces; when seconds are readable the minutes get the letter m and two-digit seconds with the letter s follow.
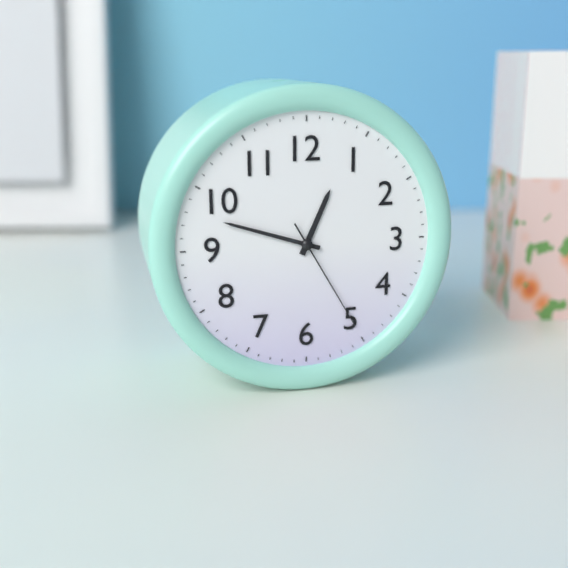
12h48m25s
